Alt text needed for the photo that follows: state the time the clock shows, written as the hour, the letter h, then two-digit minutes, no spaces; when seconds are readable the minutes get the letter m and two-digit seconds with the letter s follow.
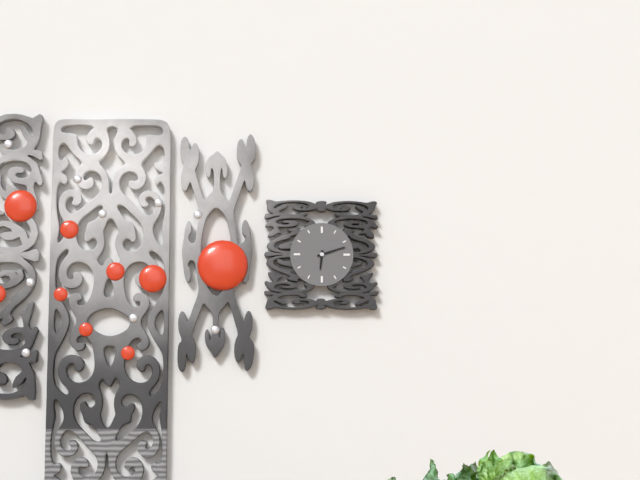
6h12
